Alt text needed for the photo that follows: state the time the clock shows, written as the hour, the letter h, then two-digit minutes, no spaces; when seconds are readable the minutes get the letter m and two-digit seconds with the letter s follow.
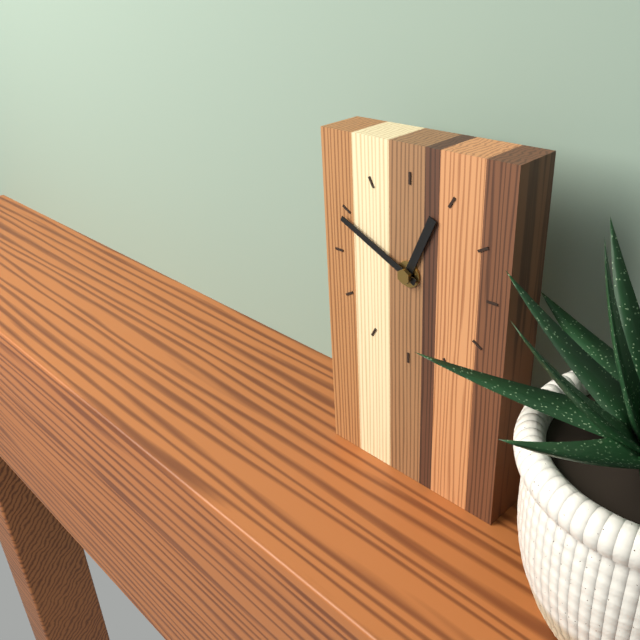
12h49
